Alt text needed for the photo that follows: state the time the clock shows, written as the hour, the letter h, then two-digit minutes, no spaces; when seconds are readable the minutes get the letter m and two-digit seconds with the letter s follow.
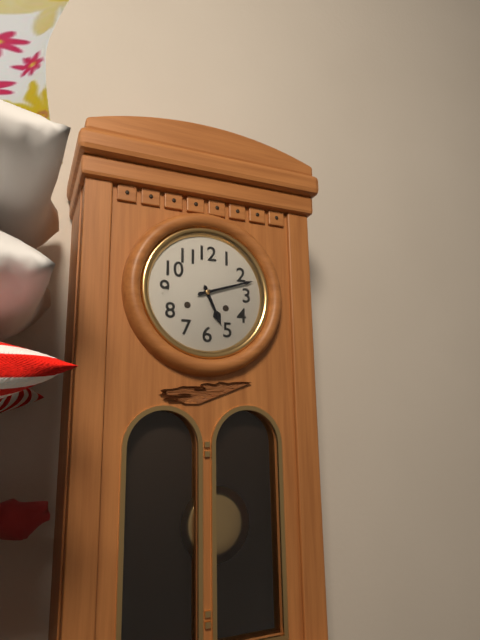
5h12
